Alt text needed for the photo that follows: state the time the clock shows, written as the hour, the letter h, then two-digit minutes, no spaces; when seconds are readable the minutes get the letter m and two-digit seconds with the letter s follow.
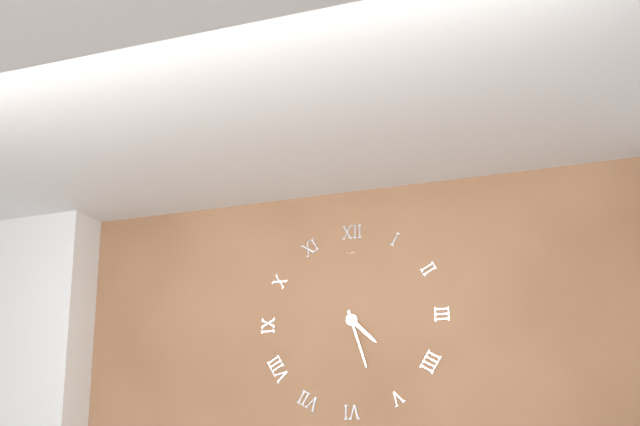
4h27
